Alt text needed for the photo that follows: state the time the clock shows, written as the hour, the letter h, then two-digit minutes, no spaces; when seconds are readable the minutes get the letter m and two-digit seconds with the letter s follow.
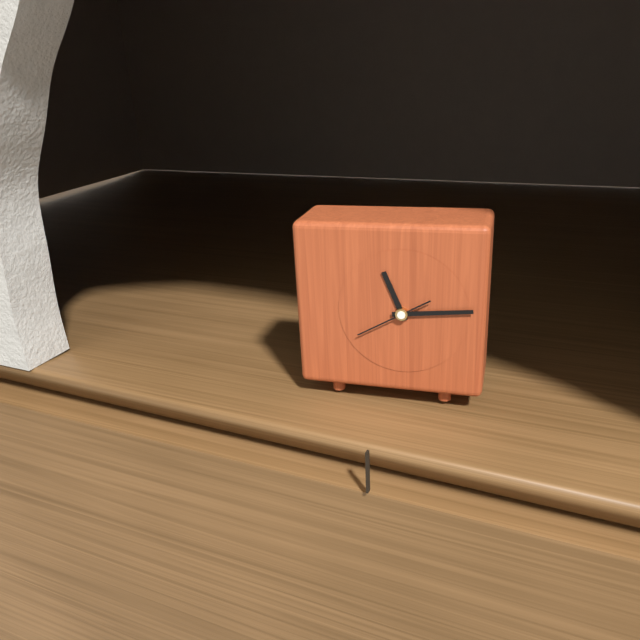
11h14m40s
